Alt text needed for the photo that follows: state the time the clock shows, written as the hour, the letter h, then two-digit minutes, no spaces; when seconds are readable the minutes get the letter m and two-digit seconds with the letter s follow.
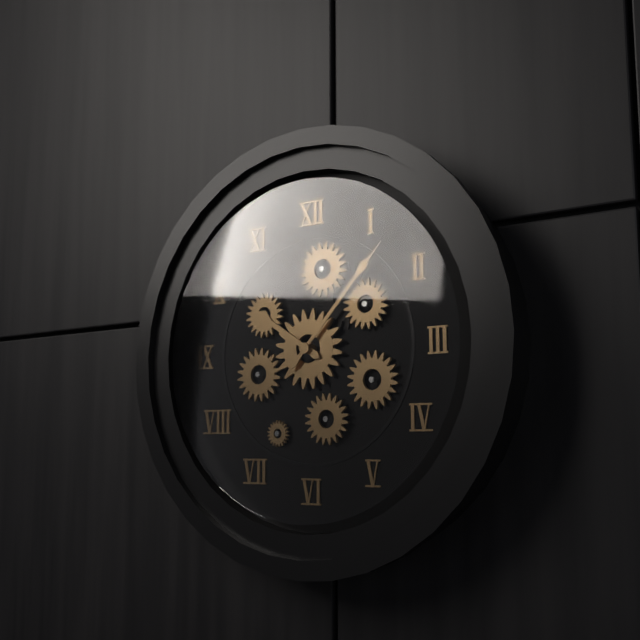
10h07
